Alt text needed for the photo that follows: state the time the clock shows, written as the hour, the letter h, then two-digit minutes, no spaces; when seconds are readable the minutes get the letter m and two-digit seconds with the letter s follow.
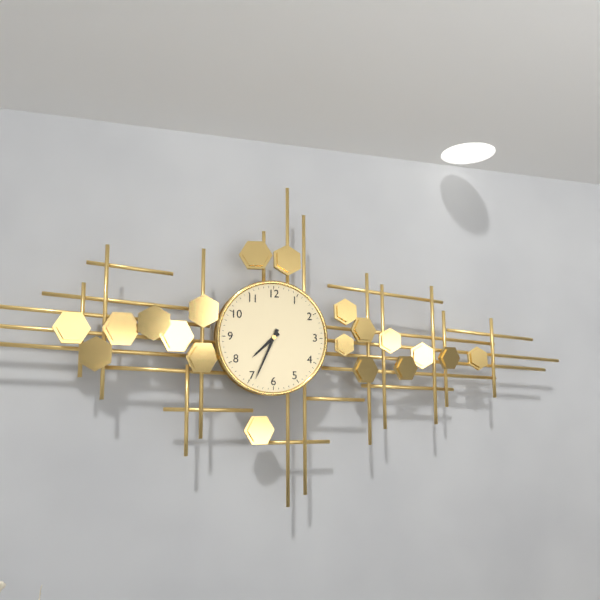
7h34
